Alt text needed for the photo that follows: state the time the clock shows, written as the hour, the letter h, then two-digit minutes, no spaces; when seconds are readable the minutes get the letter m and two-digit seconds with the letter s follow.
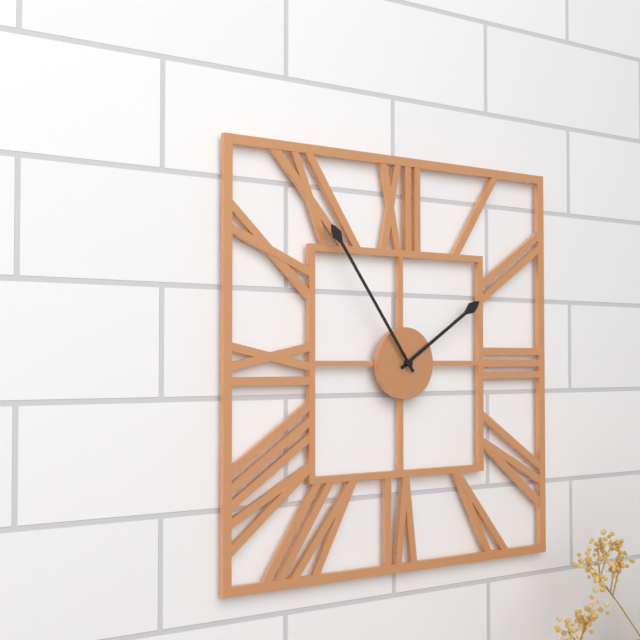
1h54
